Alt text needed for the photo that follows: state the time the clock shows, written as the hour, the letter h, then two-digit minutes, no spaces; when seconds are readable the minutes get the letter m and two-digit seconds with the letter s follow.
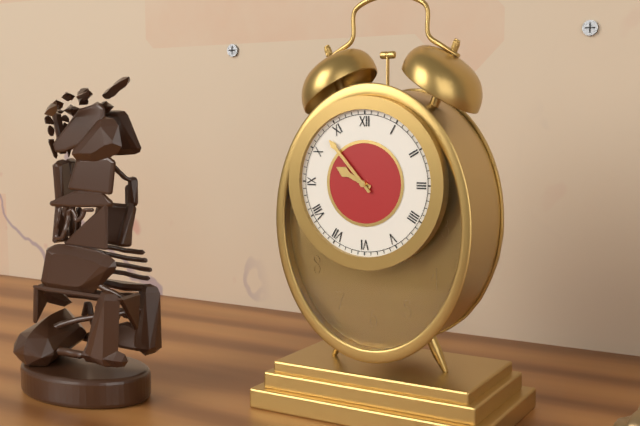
9h53
